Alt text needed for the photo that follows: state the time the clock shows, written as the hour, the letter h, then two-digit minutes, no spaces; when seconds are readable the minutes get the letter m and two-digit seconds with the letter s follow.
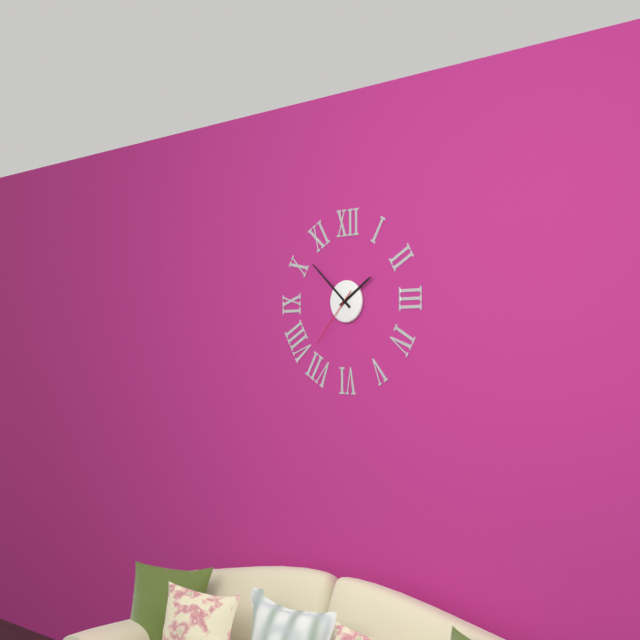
1h52m37s
